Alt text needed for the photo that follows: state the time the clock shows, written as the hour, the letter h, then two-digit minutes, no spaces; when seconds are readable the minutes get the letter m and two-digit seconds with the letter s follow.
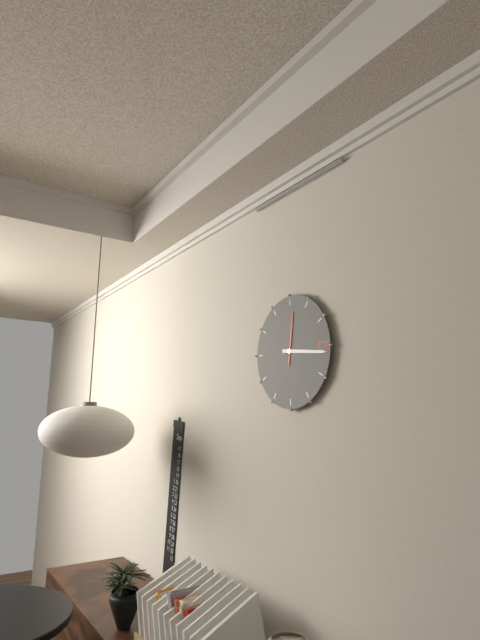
12h16
